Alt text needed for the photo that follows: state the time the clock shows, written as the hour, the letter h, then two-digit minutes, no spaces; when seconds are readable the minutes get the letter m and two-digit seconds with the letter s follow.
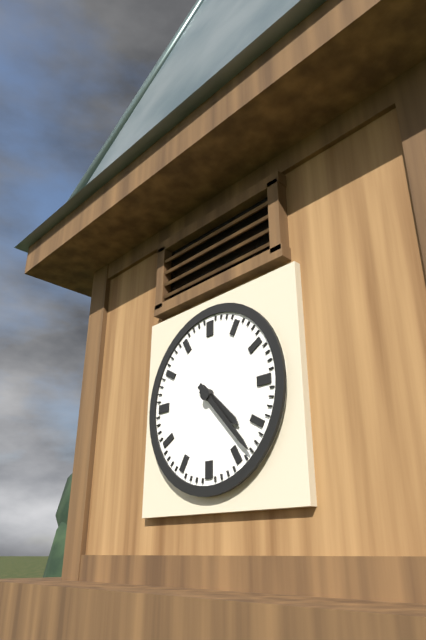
4h23
